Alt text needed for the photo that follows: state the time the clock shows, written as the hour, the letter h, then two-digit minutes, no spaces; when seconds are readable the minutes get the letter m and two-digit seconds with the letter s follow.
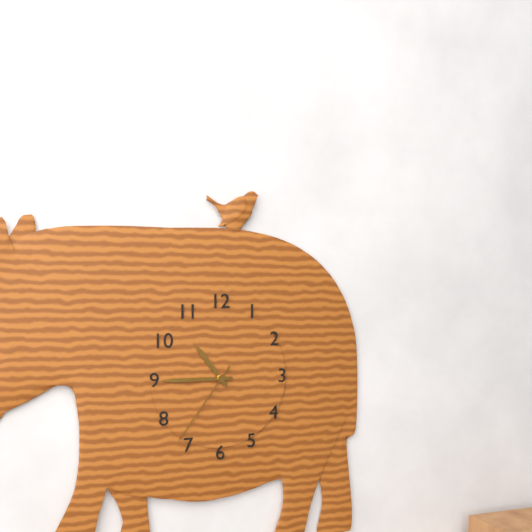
10h45m36s
